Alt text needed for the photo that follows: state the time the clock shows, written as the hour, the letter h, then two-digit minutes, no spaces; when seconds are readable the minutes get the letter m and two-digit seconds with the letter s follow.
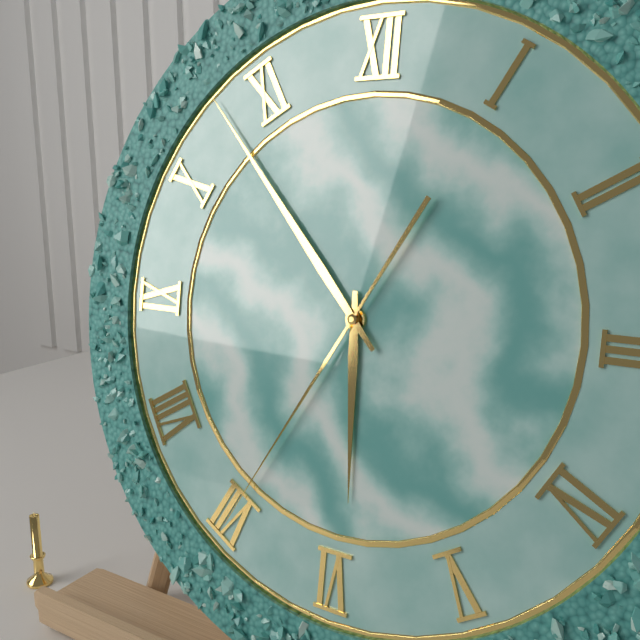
5h53m35s
